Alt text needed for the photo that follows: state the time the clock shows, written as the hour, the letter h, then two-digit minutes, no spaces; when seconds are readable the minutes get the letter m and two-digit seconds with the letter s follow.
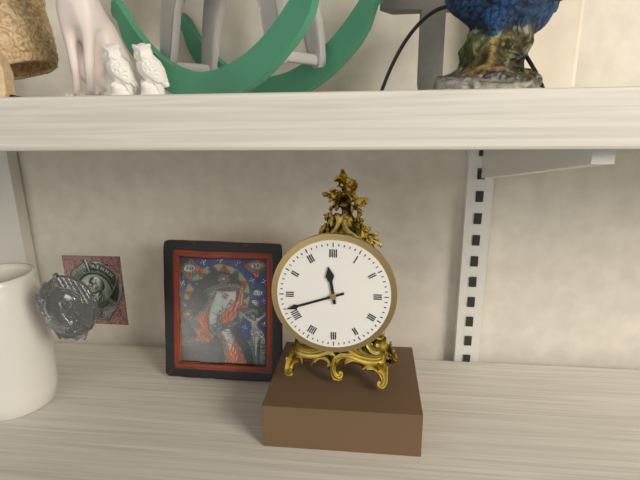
11h42
